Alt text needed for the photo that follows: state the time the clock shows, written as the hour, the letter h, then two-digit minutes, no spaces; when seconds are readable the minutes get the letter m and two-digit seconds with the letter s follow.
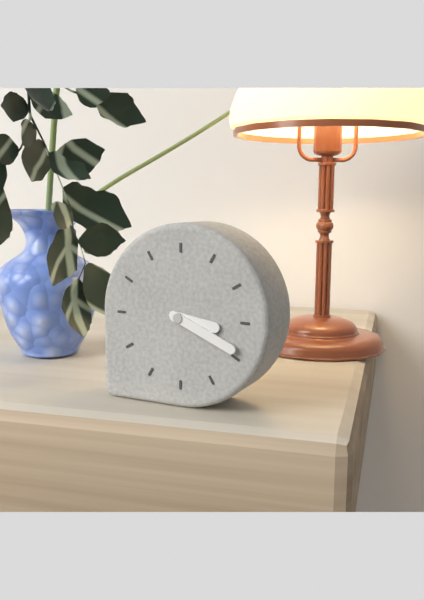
3h19
